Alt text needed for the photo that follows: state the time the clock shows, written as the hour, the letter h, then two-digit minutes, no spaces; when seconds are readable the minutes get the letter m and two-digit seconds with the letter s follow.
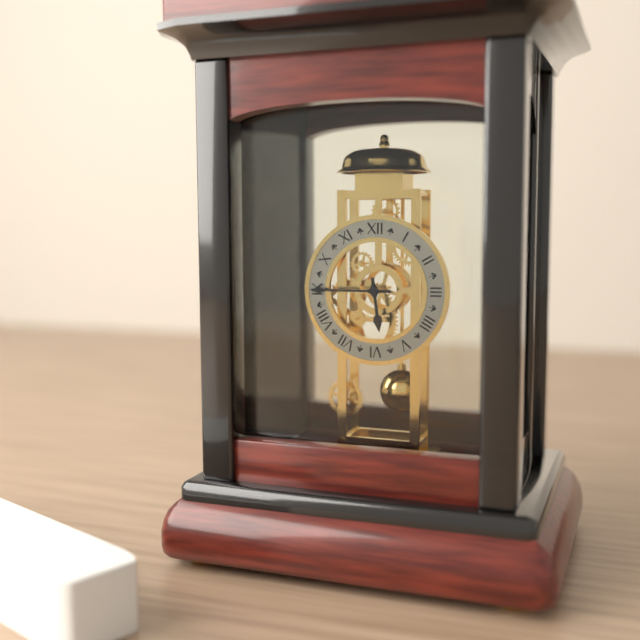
5h45
